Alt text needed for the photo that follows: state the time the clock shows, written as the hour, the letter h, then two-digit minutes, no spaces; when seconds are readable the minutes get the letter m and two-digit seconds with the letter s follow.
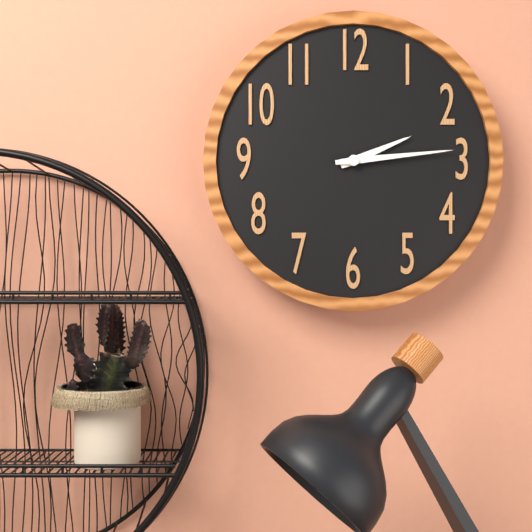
2h14
